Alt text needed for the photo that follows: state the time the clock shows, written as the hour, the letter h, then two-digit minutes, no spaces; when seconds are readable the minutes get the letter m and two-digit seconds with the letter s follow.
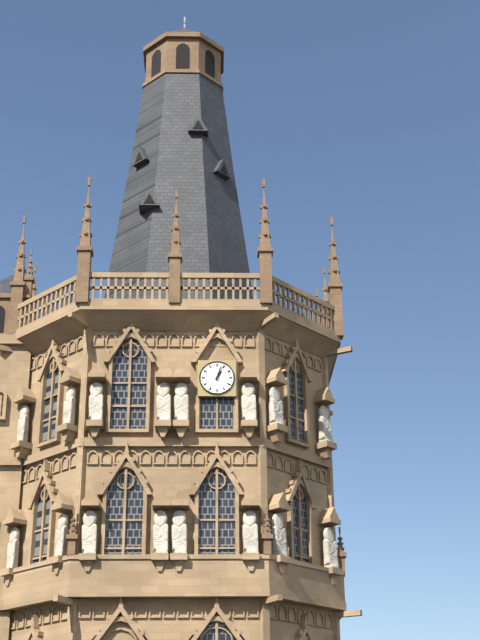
1h03
